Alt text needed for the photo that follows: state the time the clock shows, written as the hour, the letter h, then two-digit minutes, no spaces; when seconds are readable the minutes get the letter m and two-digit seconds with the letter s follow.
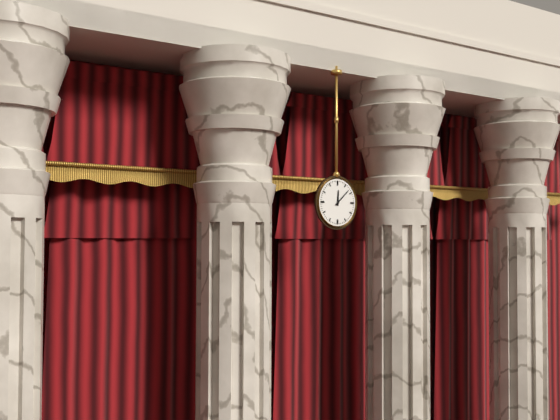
12h08
